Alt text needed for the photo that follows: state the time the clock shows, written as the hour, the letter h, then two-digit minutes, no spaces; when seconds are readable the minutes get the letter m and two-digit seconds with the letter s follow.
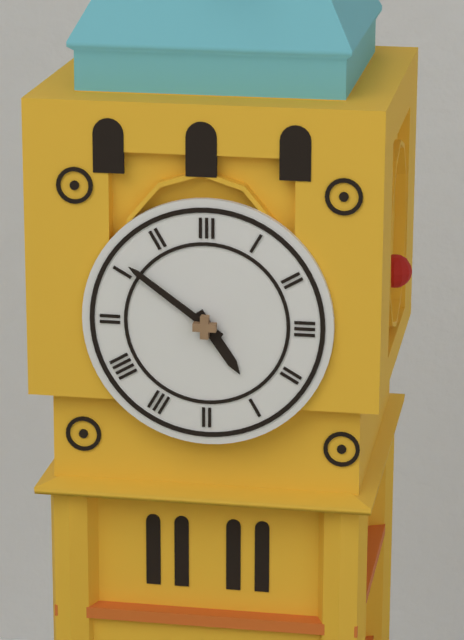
4h51
